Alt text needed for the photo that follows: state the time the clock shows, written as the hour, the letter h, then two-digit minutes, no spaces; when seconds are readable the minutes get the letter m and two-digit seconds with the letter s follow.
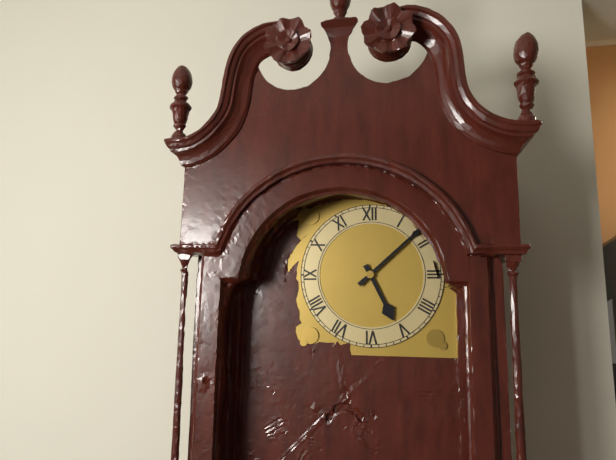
5h08
